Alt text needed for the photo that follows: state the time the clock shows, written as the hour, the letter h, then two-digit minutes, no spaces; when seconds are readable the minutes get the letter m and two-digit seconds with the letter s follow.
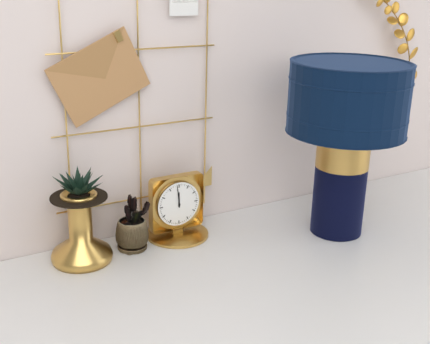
11h59
